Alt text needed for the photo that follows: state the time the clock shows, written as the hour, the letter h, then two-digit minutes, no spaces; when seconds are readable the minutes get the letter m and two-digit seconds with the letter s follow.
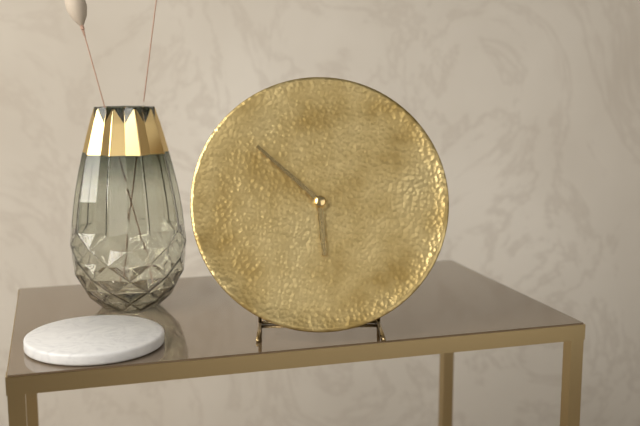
5h52
